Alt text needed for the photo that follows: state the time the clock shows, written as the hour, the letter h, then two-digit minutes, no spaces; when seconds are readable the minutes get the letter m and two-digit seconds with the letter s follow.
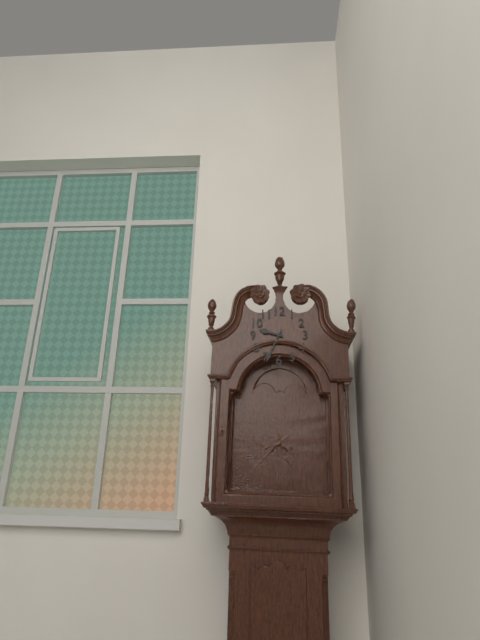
9h34
